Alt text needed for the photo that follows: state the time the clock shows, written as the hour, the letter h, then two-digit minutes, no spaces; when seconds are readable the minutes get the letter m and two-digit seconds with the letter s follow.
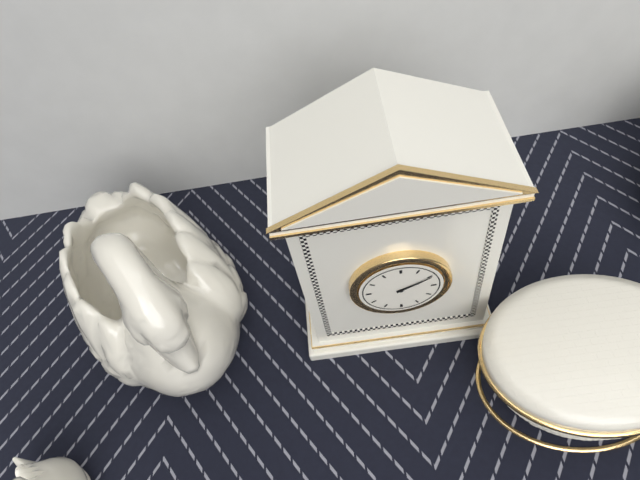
2h10
